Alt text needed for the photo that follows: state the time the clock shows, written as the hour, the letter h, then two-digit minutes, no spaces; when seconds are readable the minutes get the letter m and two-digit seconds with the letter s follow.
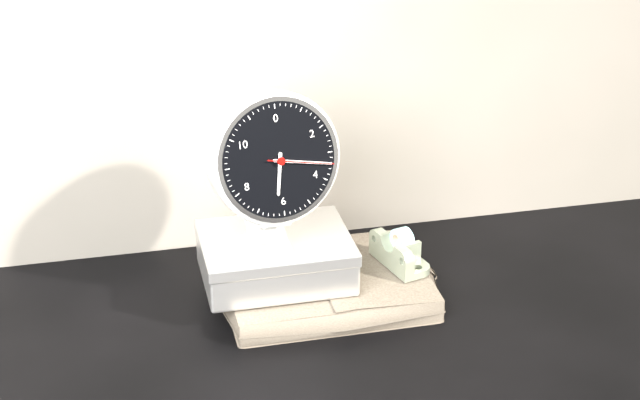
6h17m17s
